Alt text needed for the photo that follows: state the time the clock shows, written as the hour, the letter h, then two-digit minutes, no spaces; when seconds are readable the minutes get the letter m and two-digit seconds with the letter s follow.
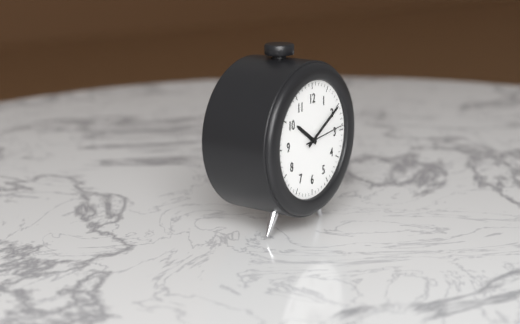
10h10
